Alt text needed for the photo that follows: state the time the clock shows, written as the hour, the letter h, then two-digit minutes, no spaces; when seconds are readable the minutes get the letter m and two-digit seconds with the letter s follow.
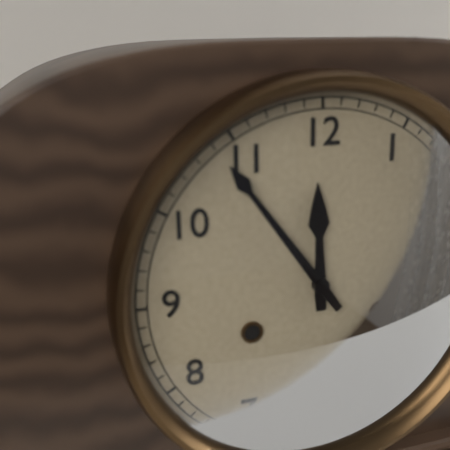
11h54
